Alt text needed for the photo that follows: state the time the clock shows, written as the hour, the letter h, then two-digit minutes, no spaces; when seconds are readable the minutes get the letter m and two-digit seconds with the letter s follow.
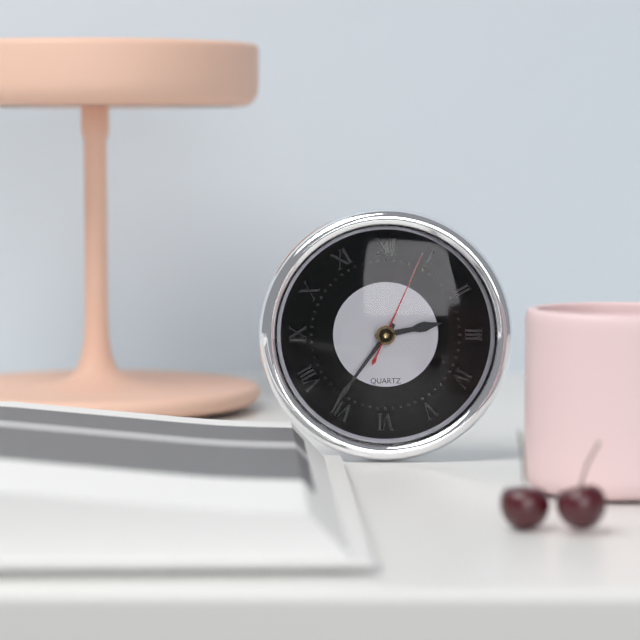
2h36m04s
